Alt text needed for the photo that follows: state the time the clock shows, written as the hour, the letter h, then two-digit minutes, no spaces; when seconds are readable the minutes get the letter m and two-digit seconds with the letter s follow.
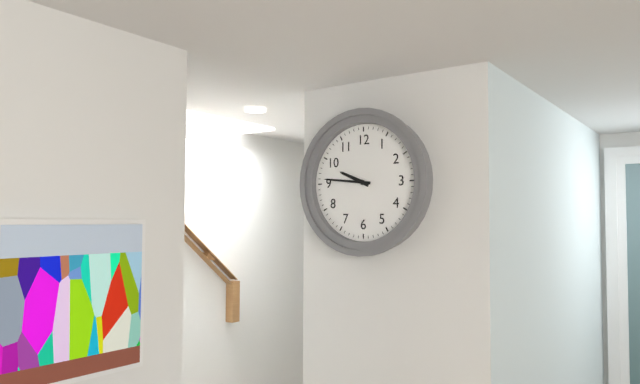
9h46
